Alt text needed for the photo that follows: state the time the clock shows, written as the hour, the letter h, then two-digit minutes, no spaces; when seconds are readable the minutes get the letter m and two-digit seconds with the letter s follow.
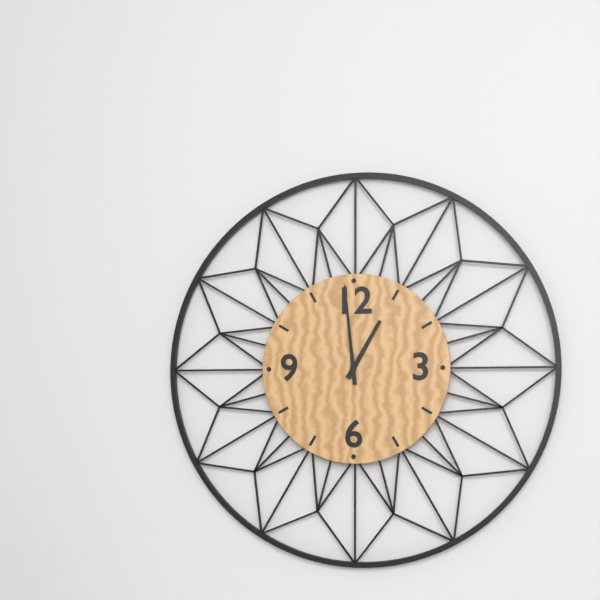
12h59
